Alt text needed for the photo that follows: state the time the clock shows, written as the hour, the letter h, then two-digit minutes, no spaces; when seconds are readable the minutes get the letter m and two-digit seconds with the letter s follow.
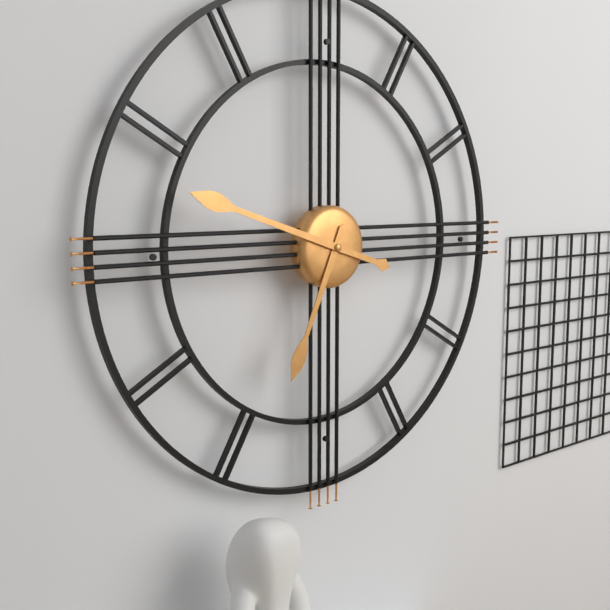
6h48
